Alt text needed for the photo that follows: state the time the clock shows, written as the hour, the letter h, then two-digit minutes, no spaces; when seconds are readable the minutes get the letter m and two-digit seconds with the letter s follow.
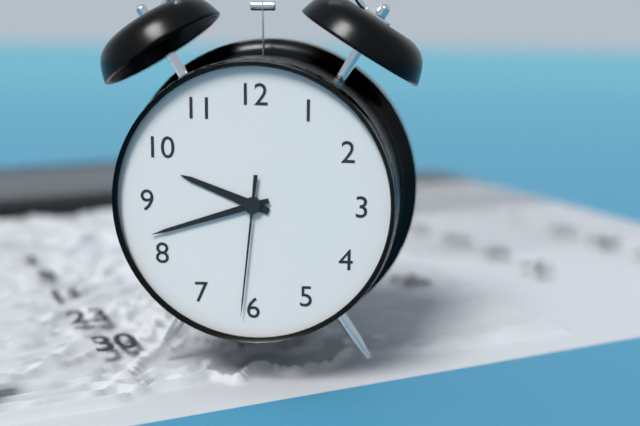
9h42m31s
